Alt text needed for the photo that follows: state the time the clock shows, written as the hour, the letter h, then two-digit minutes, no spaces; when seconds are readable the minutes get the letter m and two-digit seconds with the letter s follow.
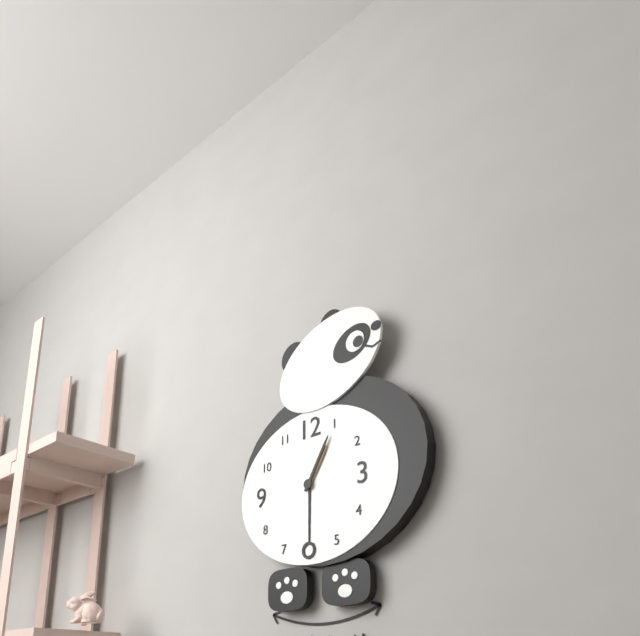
1h05
